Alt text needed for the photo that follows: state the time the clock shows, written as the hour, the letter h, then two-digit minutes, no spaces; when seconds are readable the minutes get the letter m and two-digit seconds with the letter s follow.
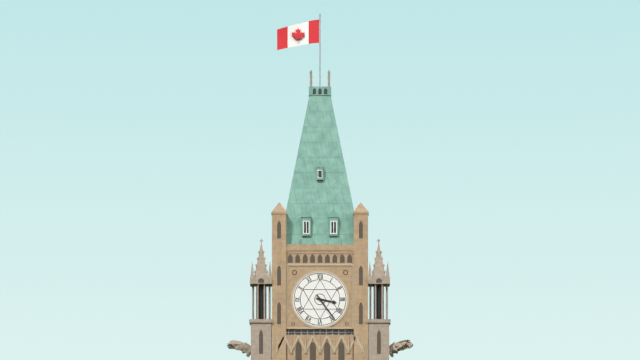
3h24
